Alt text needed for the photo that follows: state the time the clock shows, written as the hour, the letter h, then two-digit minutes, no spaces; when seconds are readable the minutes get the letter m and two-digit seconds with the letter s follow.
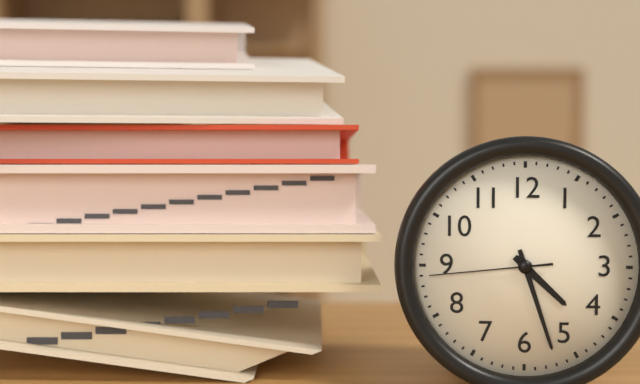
4h27m44s
